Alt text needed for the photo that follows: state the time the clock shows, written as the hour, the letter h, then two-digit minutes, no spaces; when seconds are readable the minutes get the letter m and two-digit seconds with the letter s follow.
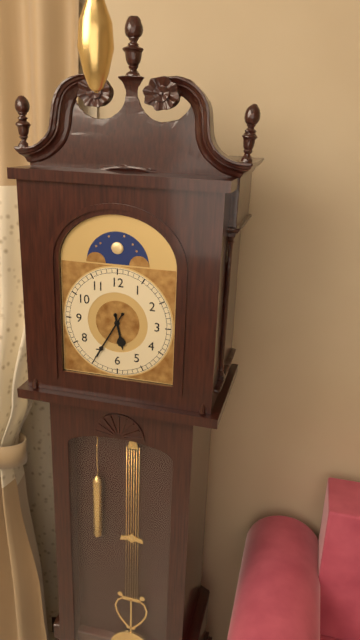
5h35
